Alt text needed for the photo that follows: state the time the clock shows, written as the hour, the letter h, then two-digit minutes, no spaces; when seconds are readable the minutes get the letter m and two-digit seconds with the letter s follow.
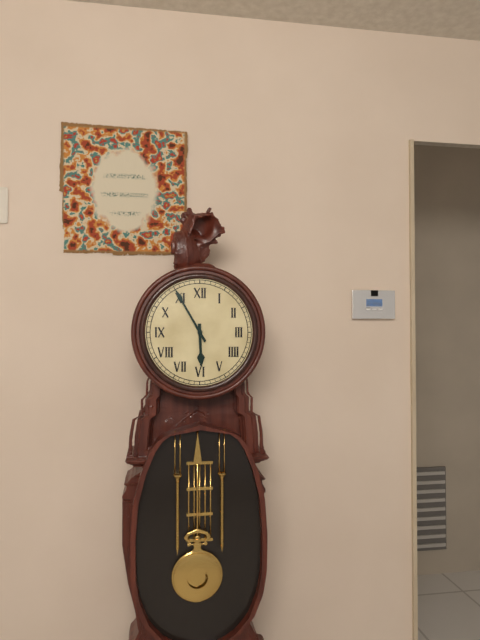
5h55
